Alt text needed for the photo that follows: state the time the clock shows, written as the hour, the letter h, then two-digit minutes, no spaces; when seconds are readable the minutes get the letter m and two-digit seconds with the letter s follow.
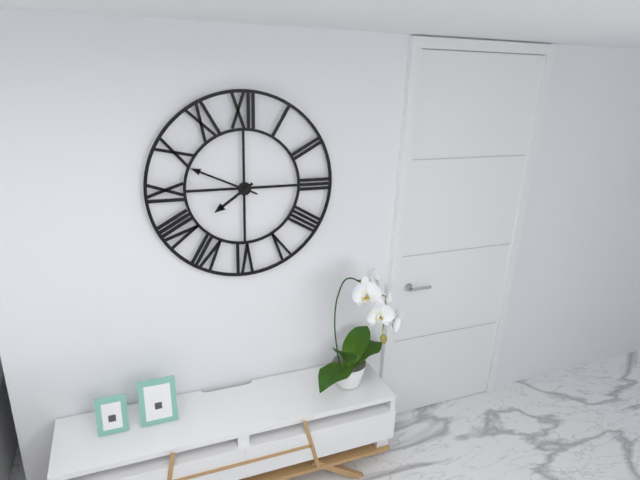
7h49
